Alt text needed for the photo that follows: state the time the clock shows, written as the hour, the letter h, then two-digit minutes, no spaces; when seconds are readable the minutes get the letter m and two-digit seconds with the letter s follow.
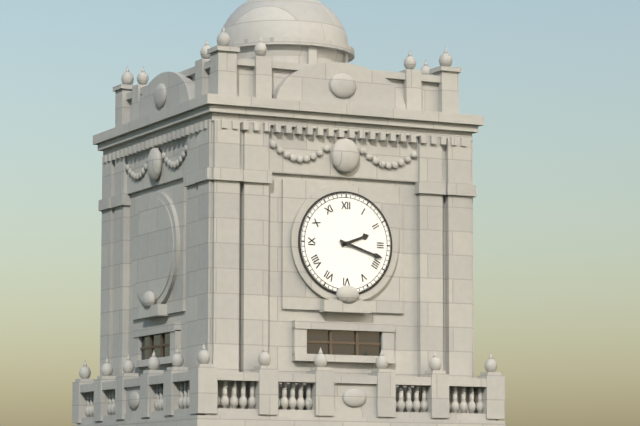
2h18
